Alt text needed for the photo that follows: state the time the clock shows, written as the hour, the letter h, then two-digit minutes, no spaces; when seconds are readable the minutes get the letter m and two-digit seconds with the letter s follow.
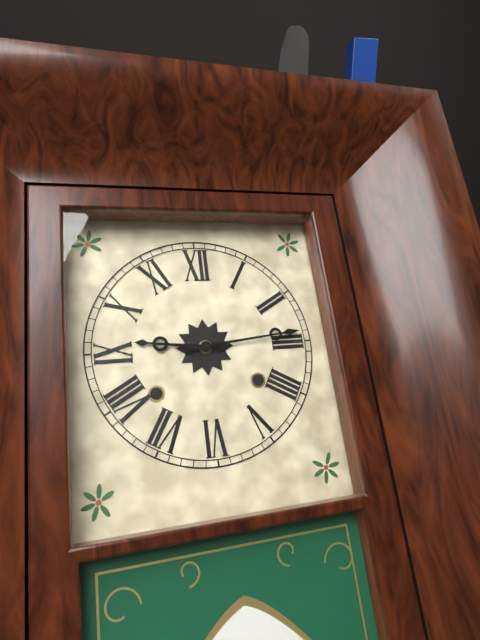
9h14
